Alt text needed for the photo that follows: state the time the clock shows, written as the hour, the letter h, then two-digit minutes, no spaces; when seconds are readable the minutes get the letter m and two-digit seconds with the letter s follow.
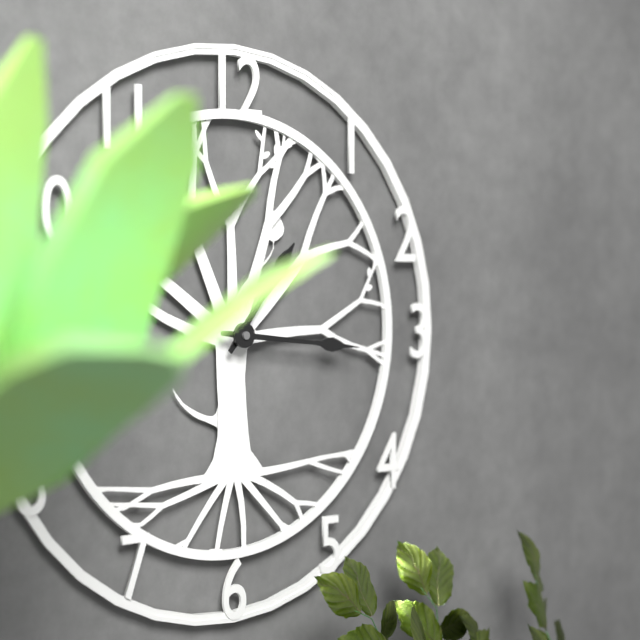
1h16
